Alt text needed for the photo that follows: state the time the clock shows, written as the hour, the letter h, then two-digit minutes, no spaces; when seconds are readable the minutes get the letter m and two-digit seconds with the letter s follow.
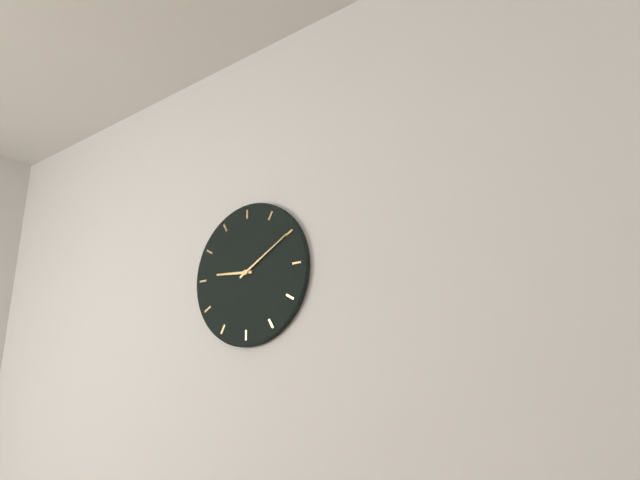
9h10
